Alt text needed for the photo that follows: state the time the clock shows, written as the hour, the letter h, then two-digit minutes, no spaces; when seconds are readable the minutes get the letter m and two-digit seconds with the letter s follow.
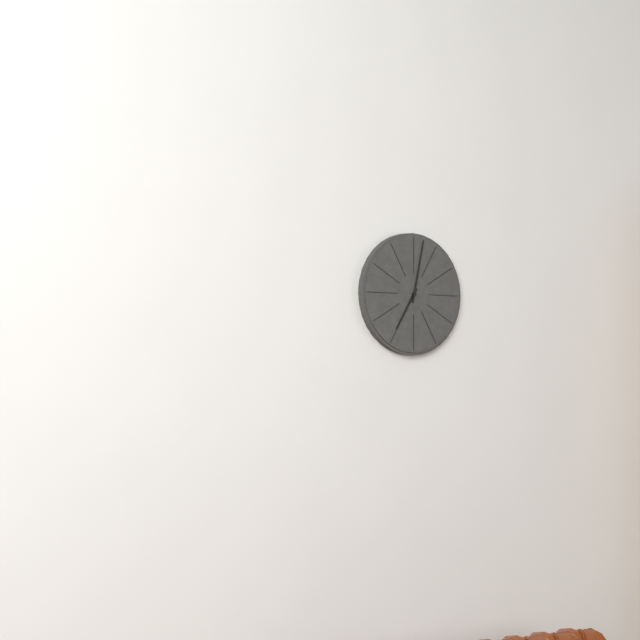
7h02
